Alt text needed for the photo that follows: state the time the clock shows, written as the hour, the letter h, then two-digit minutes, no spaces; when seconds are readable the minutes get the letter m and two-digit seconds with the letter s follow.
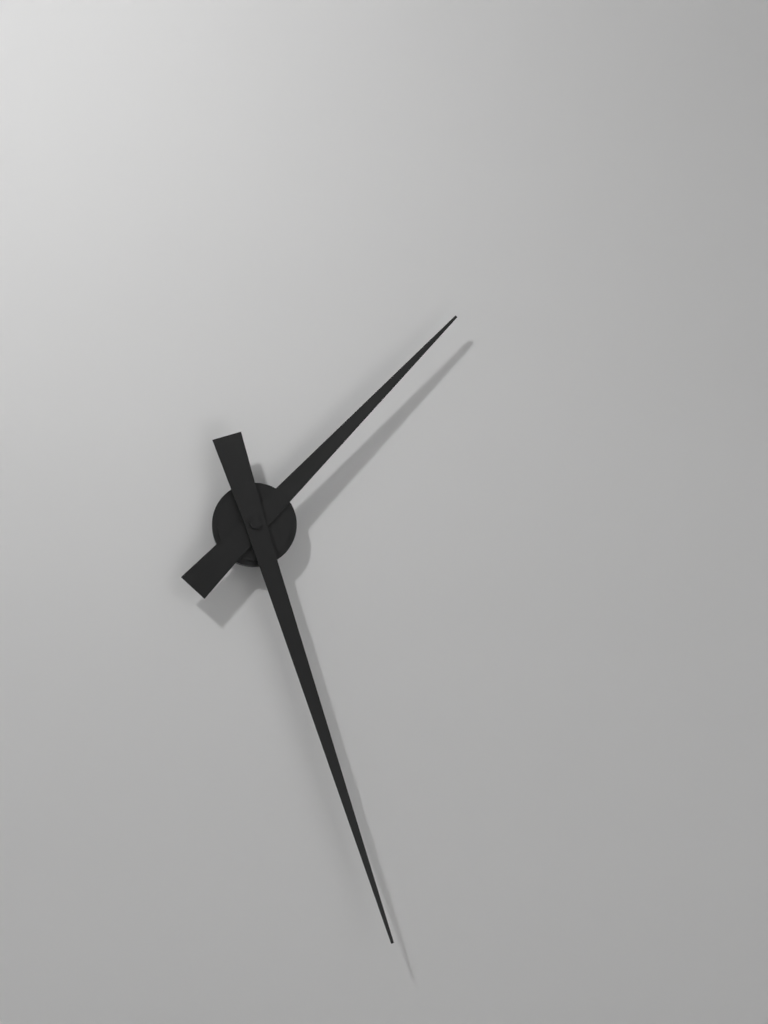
1h27
